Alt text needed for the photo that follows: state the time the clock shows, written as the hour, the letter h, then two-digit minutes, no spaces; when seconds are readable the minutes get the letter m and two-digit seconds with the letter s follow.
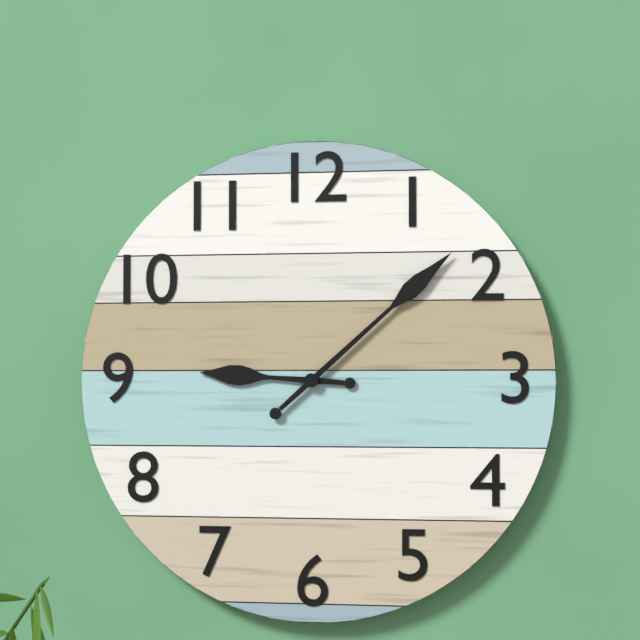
9h08
